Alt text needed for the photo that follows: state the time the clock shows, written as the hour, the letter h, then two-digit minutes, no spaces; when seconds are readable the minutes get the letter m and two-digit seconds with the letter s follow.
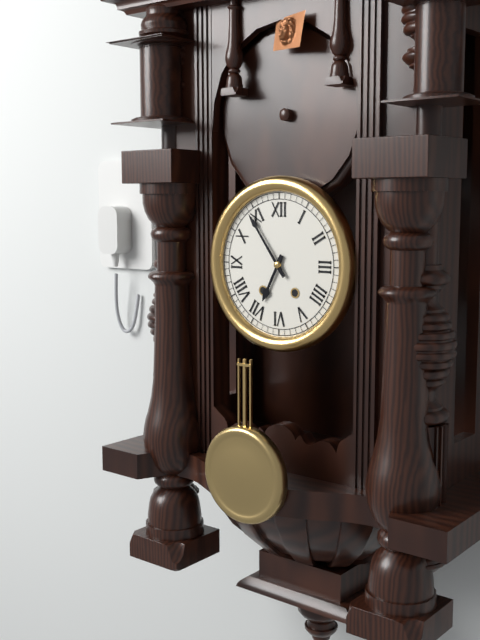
6h54
